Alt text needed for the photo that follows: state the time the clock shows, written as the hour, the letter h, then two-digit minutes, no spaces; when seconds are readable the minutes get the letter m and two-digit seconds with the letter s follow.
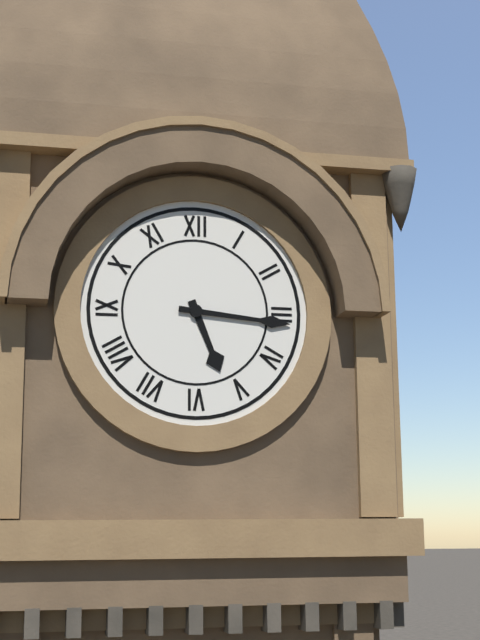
5h16
